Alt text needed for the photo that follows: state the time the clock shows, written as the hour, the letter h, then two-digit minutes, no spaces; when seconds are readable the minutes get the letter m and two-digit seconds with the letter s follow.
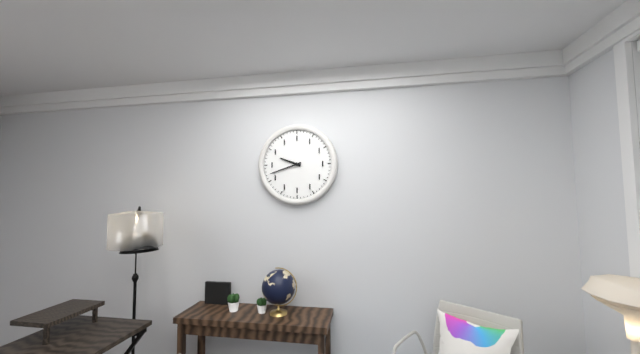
9h42
